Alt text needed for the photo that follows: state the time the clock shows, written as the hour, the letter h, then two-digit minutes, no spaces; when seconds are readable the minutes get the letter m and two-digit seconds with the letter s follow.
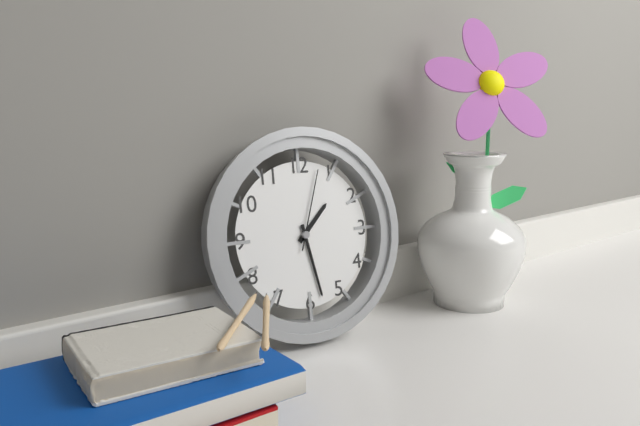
1h28m03s
